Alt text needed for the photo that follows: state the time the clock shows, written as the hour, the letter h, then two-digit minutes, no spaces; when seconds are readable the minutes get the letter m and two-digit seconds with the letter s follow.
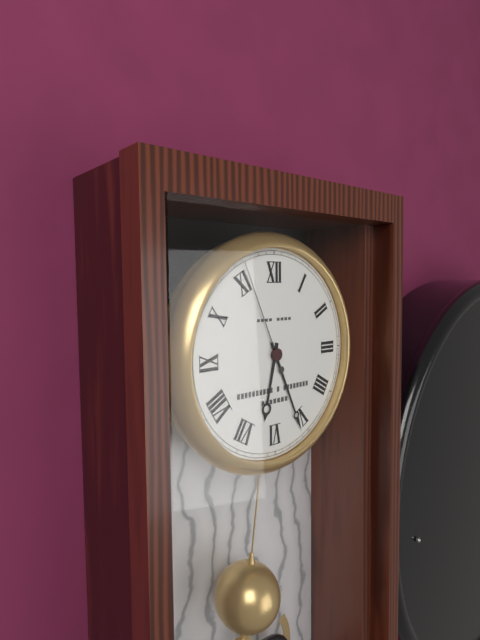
6h26m56s
